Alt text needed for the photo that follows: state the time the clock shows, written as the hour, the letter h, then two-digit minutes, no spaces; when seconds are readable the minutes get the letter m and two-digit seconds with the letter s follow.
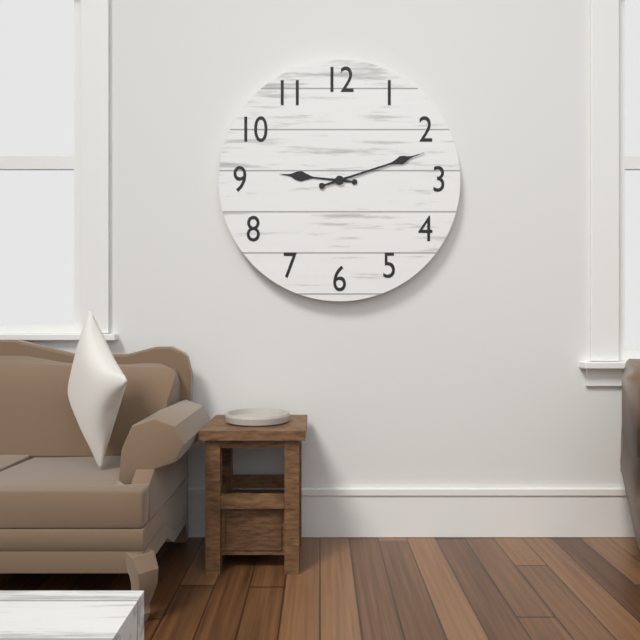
9h12
